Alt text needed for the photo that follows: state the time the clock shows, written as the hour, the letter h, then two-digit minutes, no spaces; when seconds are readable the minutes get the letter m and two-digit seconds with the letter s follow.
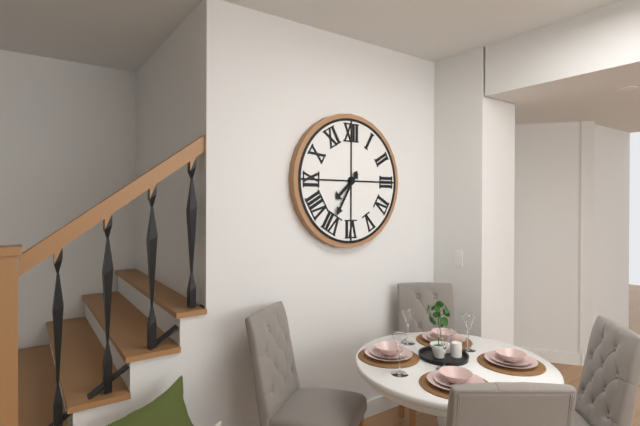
7h35
